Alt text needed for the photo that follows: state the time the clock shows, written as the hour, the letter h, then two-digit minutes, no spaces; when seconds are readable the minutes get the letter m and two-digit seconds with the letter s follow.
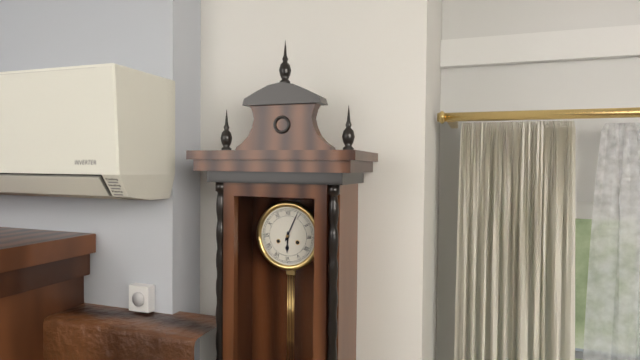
6h04
